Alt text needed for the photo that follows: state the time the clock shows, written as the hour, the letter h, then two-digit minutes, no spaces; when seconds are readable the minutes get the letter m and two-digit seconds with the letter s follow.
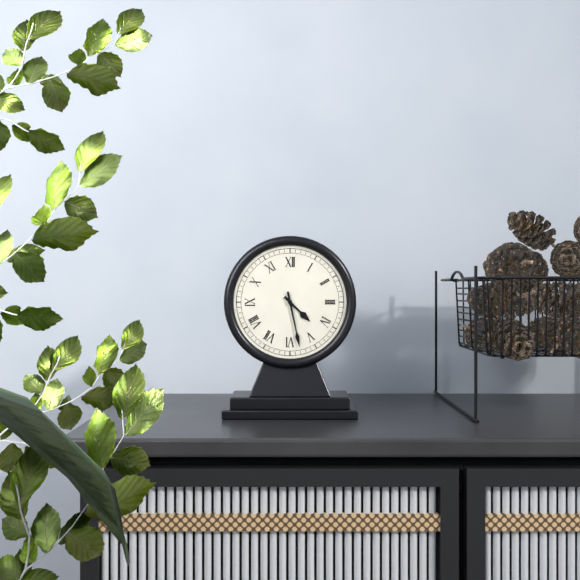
4h28
